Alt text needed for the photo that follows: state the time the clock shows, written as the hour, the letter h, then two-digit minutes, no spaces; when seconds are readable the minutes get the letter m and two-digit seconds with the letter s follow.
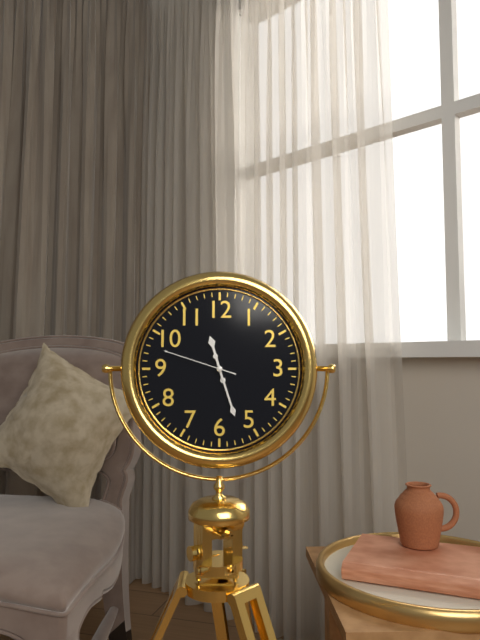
11h27m48s
